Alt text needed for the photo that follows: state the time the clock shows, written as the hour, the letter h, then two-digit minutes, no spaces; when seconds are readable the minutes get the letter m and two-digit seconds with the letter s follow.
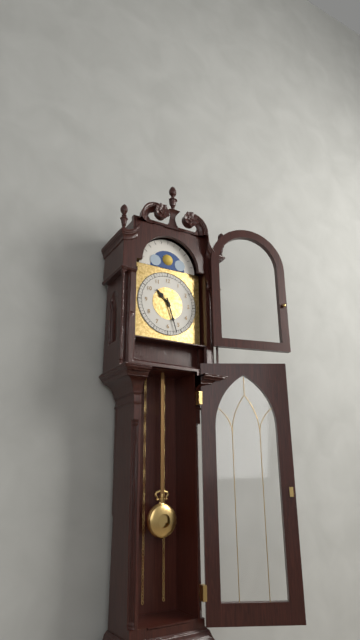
10h27
